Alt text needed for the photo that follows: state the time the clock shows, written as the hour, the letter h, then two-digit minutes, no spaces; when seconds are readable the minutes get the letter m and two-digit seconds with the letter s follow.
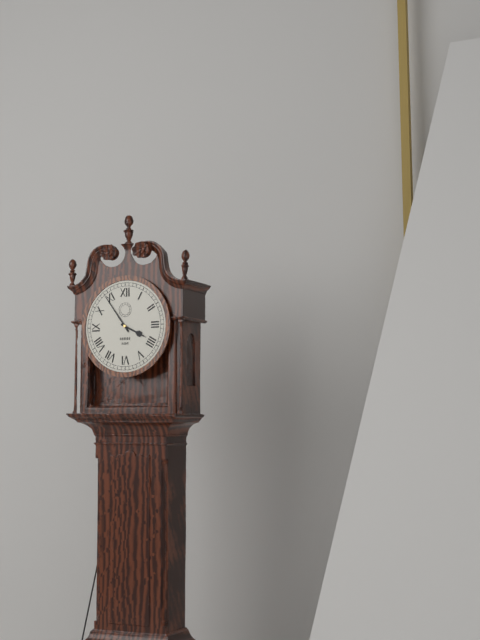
3h54
